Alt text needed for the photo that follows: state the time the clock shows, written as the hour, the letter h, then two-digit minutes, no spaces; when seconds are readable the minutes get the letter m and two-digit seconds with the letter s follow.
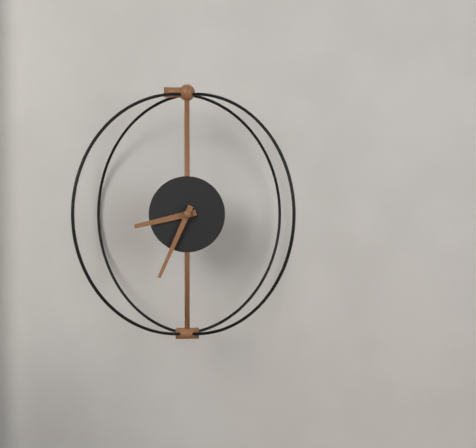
8h34
